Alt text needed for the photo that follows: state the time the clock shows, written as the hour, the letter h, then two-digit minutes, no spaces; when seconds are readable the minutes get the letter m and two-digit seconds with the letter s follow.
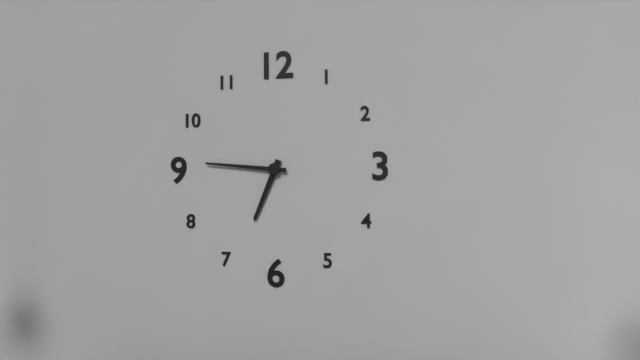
6h46
